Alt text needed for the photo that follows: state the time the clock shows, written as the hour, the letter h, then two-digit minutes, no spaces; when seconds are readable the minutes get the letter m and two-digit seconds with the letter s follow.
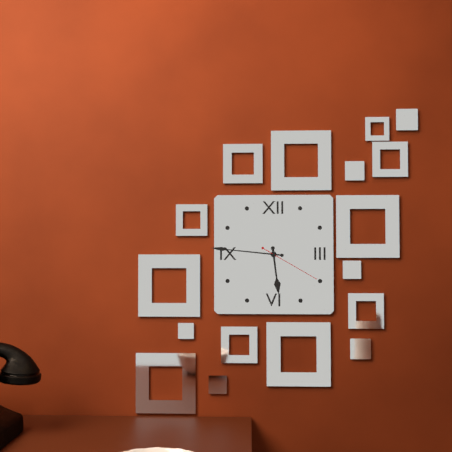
5h46m20s
